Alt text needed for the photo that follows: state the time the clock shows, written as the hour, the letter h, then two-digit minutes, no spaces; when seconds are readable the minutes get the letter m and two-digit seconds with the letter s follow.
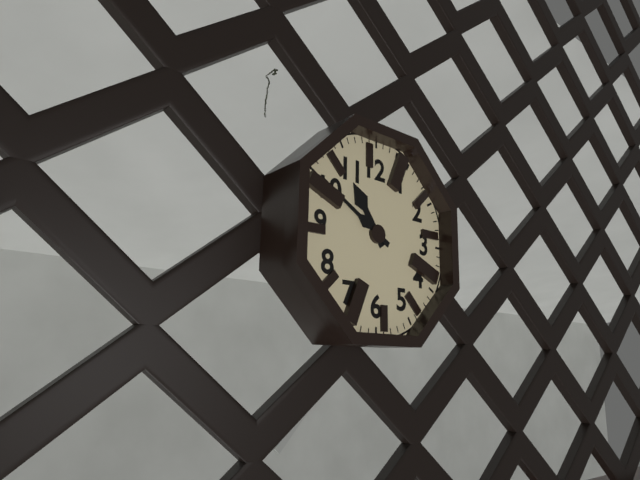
10h50
